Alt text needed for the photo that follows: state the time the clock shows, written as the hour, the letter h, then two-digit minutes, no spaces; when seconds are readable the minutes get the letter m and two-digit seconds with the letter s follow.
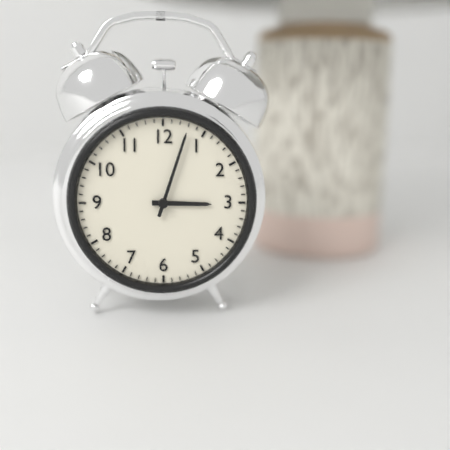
3h03
